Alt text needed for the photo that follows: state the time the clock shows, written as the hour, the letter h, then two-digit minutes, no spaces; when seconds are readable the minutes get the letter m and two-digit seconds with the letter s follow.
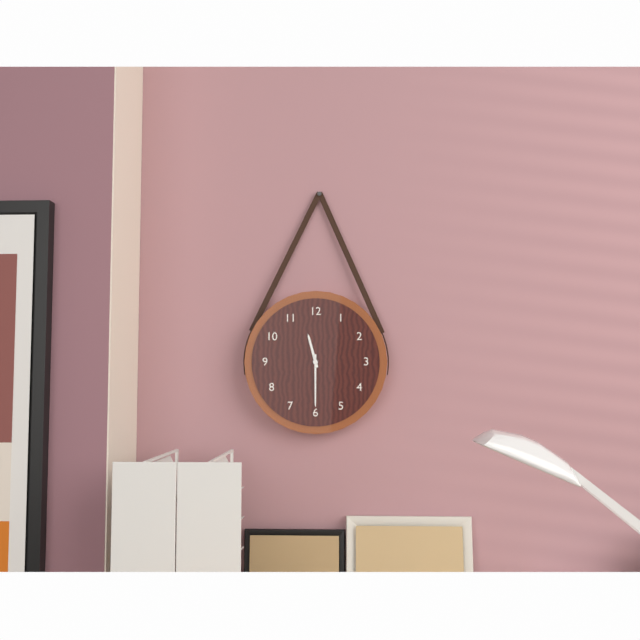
11h30
